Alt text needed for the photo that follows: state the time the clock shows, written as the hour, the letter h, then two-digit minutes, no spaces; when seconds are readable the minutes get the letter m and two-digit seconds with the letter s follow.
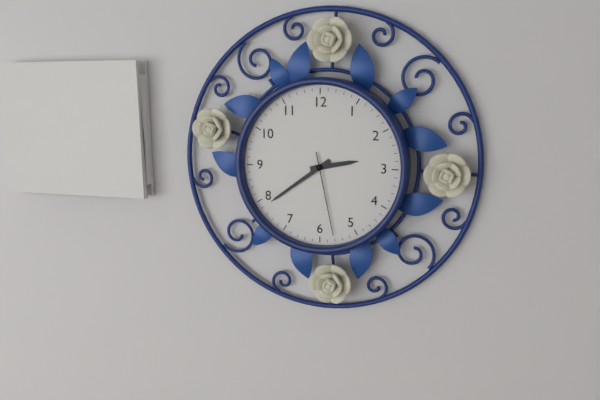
2h39m28s
